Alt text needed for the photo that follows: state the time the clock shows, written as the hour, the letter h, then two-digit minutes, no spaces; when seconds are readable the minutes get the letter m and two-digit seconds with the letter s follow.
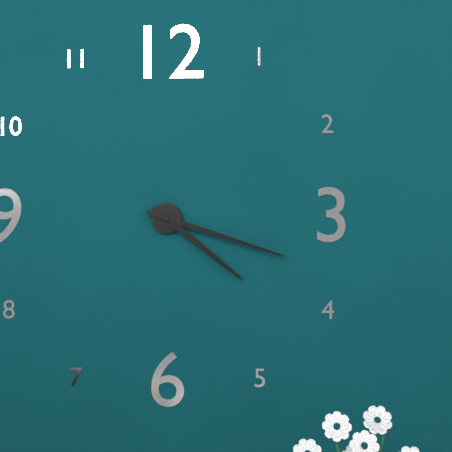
4h18
